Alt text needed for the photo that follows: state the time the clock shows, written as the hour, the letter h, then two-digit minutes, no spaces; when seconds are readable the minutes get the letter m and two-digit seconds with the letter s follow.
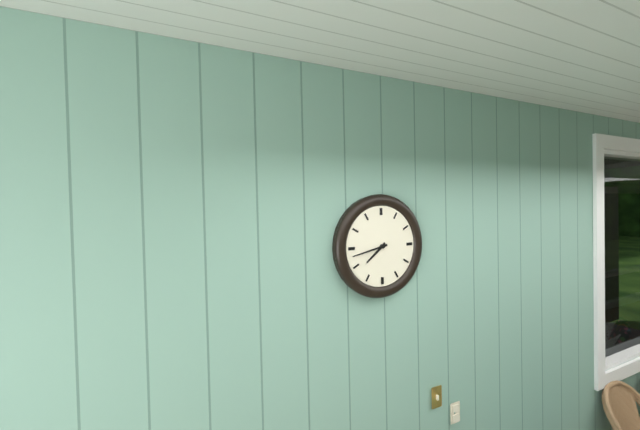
7h43
